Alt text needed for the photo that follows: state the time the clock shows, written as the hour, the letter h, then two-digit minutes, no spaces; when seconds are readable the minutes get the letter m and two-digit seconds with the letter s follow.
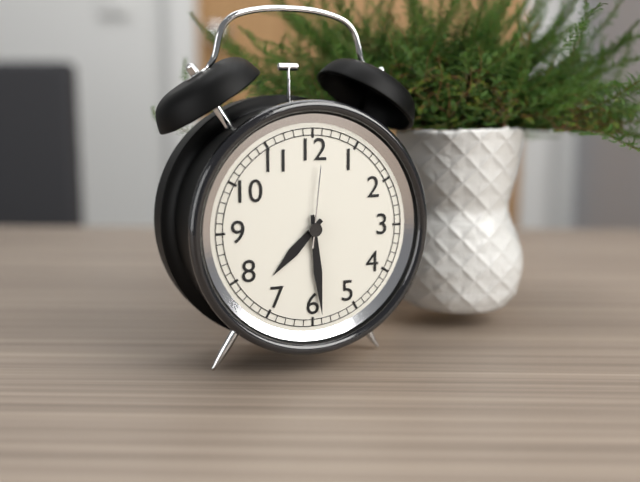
7h29m01s
